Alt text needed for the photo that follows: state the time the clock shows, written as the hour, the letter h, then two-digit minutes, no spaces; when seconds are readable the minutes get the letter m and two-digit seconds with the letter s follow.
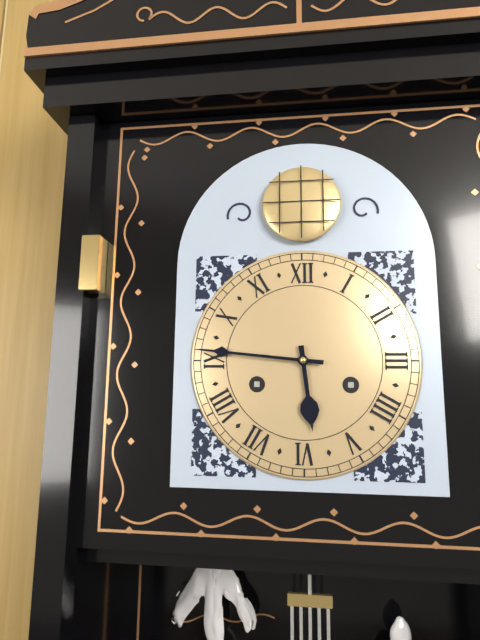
5h46
